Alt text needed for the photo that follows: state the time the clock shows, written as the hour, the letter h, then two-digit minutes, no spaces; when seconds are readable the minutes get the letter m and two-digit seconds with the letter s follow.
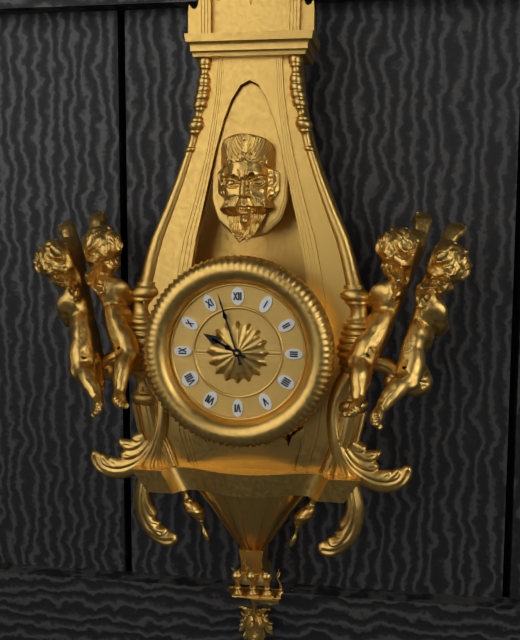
9h57
